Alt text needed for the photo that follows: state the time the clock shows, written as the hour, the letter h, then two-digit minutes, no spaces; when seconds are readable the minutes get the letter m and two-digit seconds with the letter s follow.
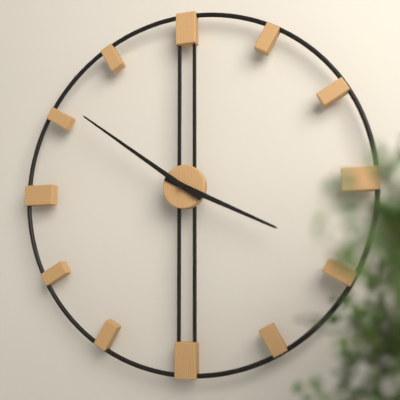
3h51
